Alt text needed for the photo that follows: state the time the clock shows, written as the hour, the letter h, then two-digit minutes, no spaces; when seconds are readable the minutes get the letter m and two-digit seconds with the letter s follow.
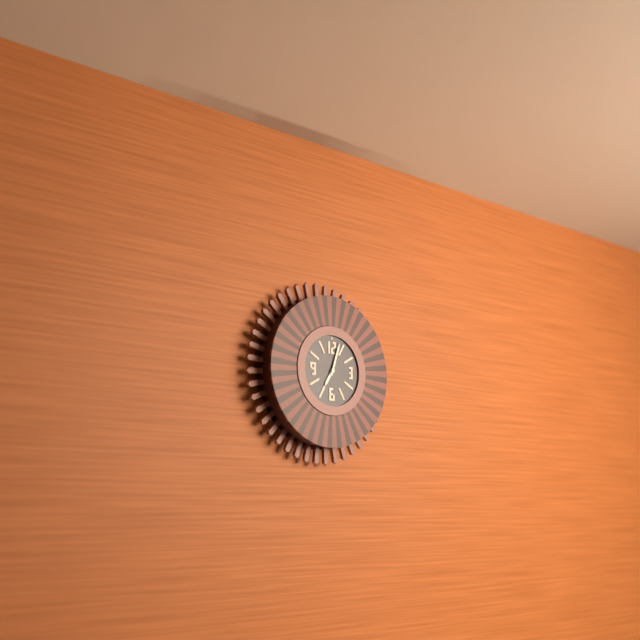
7h03
